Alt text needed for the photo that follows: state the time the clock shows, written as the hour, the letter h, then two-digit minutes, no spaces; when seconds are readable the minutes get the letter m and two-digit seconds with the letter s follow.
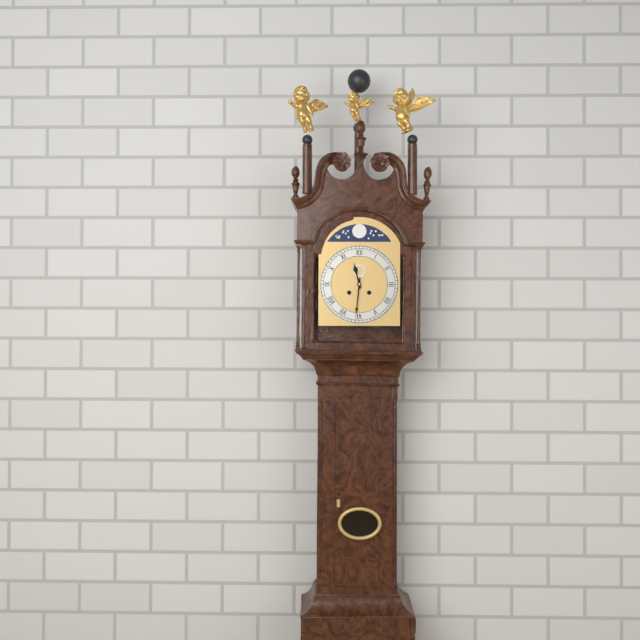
11h31
